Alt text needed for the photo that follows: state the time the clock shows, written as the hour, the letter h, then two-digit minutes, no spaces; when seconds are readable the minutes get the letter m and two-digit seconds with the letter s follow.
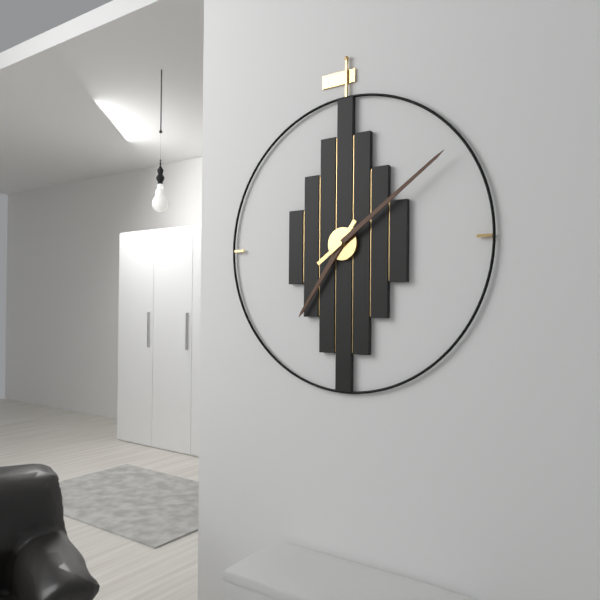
7h09
